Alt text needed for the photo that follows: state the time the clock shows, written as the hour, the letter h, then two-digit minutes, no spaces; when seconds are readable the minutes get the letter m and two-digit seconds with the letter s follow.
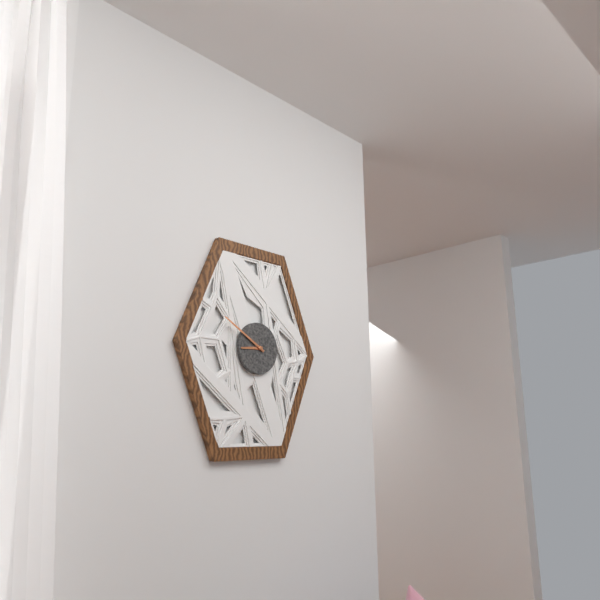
8h50
